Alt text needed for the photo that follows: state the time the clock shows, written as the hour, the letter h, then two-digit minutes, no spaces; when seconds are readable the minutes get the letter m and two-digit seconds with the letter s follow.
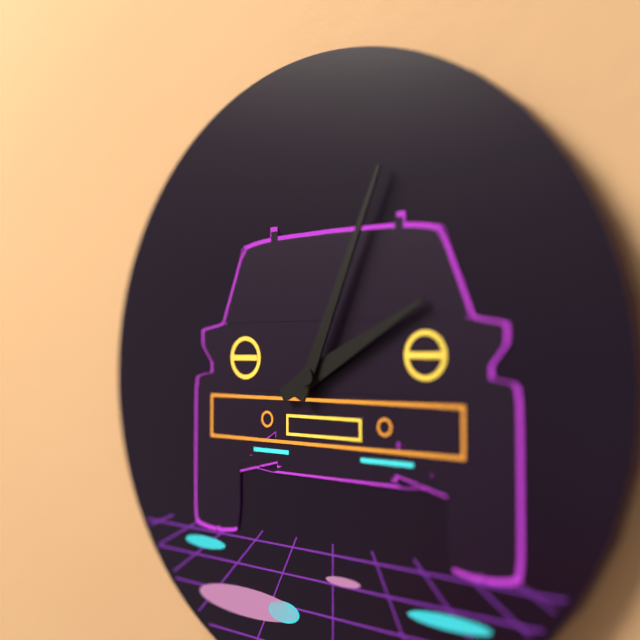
2h04
